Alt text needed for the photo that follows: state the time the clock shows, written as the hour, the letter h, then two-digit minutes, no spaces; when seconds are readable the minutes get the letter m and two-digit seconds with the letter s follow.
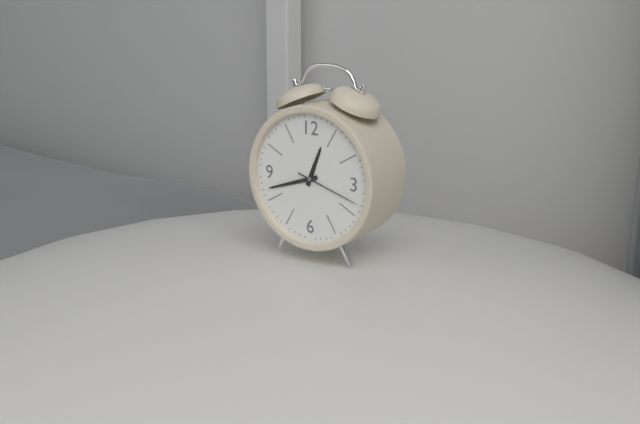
12h42m18s
